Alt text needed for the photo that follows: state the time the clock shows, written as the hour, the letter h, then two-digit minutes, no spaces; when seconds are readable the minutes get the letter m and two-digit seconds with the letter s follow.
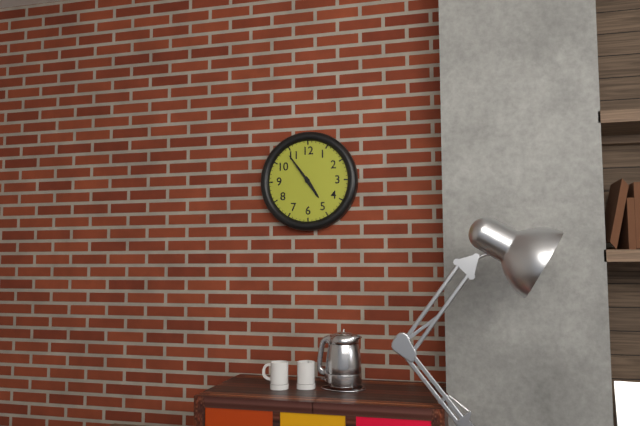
4h54
